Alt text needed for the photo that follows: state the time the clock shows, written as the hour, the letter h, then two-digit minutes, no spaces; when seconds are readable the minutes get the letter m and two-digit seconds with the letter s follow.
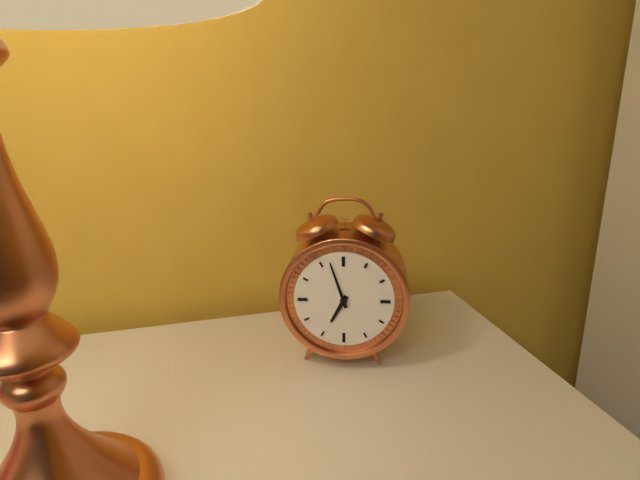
6h57
